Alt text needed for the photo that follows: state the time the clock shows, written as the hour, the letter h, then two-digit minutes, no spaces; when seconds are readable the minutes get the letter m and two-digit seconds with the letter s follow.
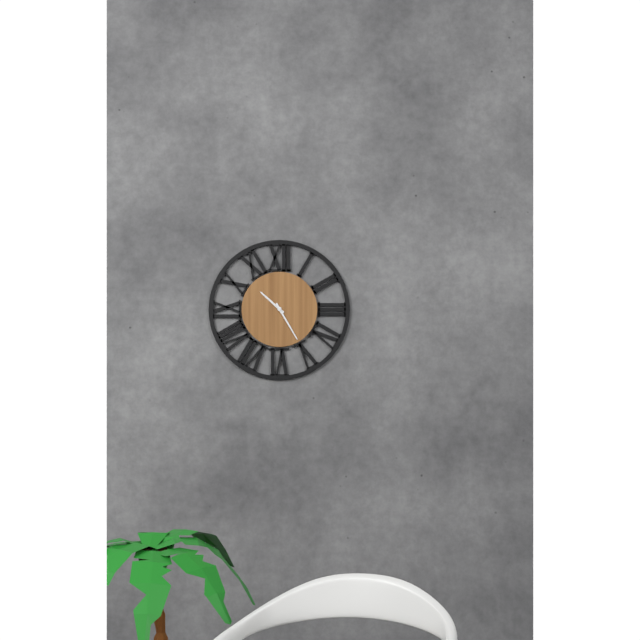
10h25
